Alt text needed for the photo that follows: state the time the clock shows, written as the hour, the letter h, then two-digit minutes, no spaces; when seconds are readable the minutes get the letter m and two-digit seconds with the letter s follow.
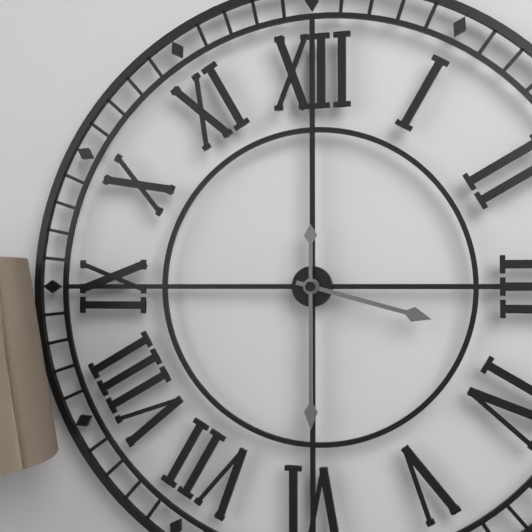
3h30
